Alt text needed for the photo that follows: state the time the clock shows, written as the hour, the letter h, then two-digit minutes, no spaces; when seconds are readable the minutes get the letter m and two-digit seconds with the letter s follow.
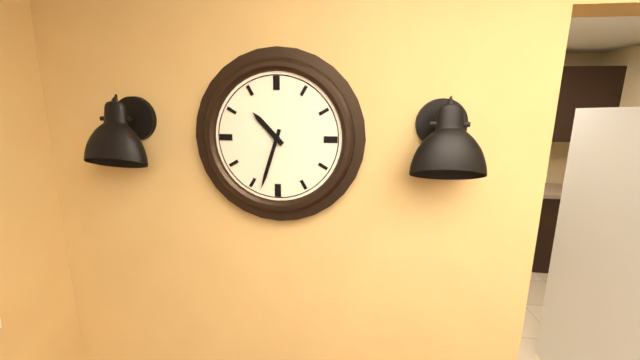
10h33
